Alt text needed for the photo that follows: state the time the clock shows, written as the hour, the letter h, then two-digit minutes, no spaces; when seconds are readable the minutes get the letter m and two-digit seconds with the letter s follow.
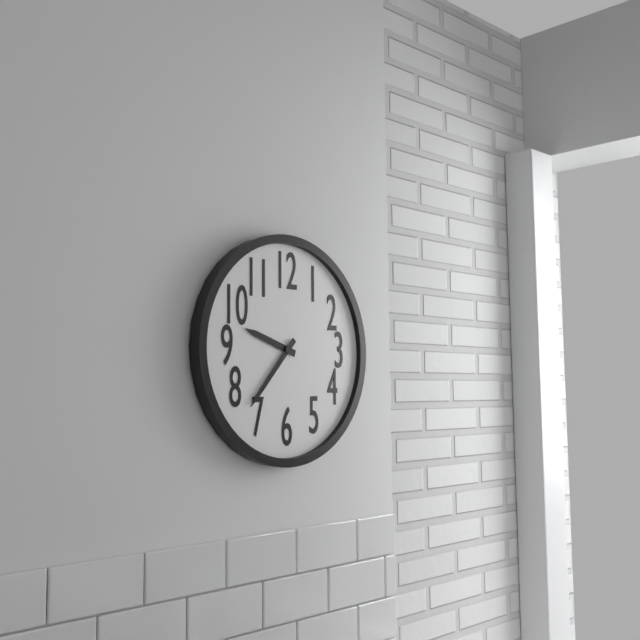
9h37
